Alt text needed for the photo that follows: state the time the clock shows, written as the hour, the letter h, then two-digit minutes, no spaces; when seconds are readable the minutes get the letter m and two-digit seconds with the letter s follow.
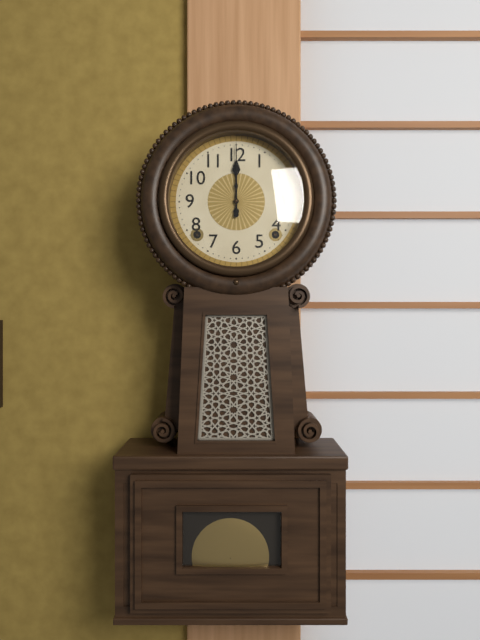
12h00
